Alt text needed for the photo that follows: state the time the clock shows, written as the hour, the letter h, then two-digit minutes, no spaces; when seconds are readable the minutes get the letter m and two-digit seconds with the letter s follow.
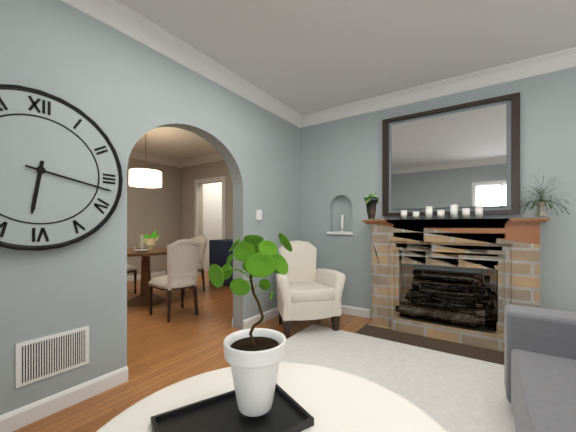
6h17
